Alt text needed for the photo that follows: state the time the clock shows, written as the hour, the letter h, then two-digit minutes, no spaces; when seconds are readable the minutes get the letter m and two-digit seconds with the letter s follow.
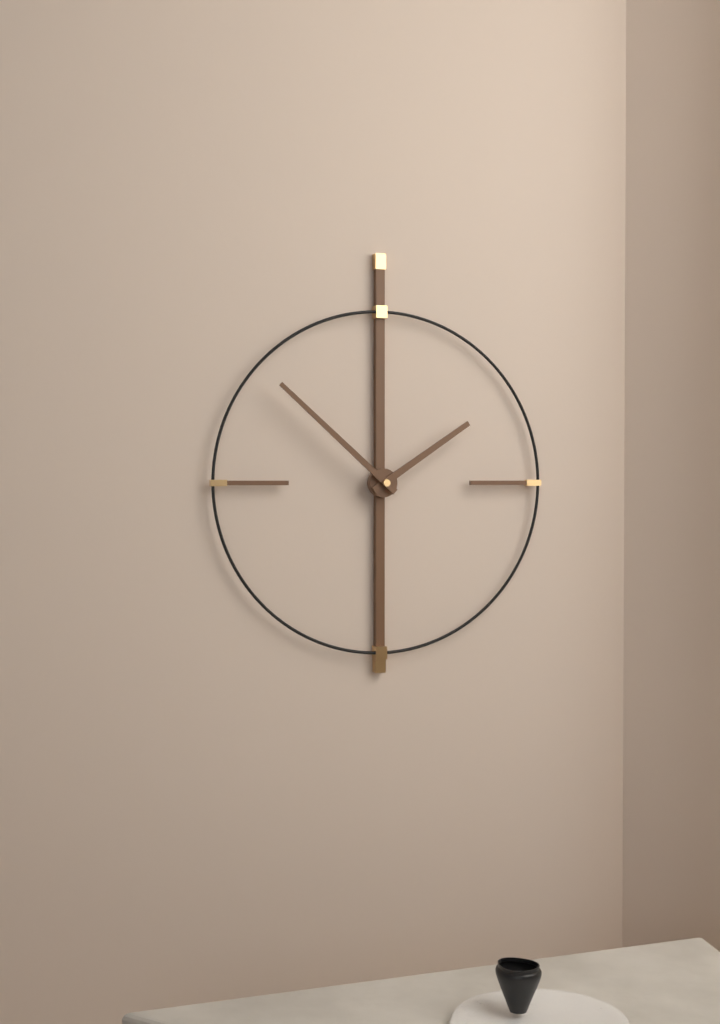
1h52
